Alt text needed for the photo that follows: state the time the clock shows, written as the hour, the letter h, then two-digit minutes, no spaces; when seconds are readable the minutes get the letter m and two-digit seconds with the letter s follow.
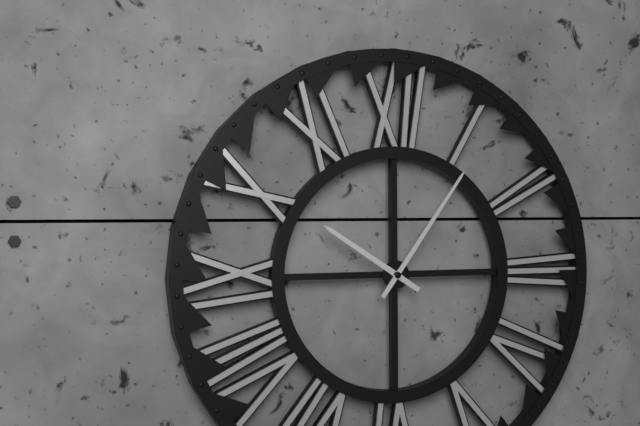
10h06
